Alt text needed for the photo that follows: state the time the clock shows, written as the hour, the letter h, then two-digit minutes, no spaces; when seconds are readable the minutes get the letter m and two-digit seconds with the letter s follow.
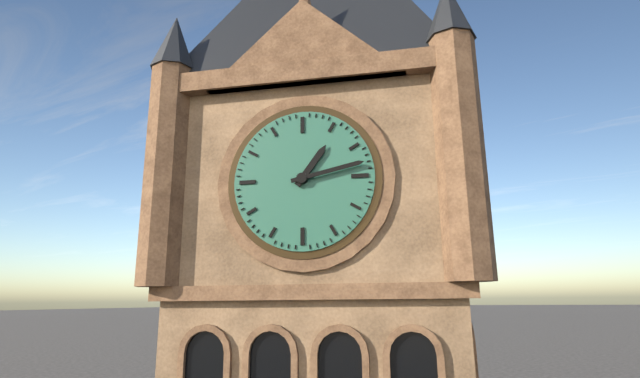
1h13
